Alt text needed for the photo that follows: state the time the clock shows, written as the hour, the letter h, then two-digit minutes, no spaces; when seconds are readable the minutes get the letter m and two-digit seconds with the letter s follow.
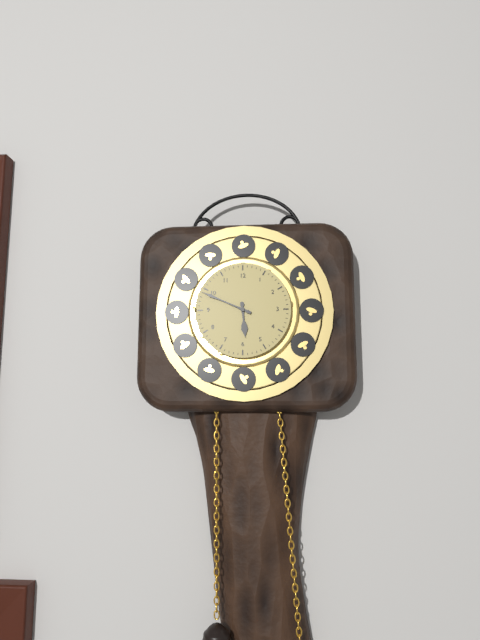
5h49
